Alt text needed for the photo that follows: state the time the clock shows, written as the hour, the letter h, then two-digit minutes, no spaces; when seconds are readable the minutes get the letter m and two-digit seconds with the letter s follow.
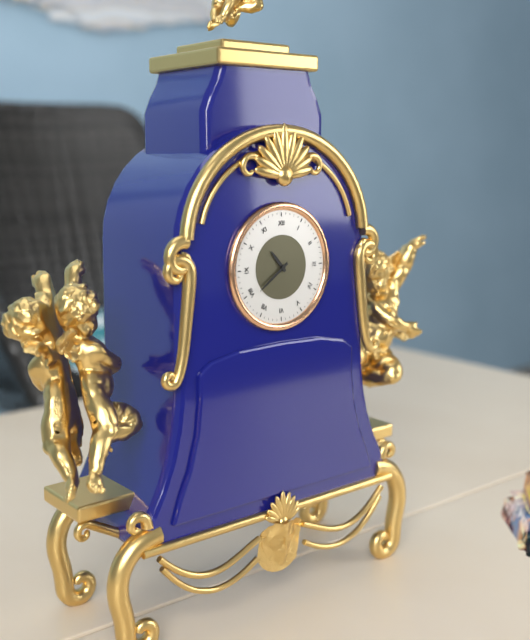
10h39
